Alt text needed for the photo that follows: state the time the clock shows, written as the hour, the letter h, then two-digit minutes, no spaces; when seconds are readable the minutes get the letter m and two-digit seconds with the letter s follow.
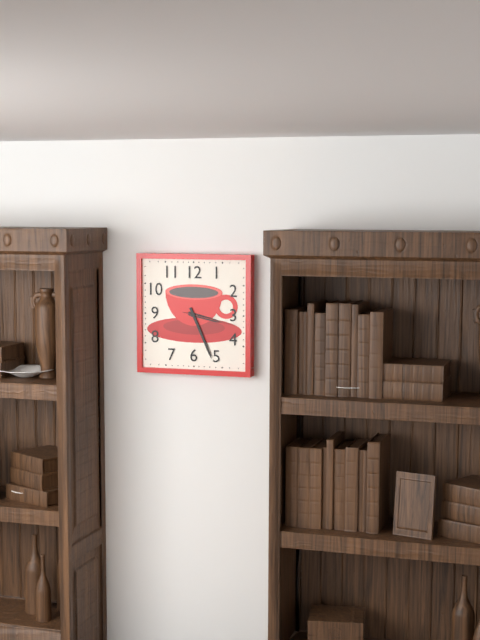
3h26m17s
